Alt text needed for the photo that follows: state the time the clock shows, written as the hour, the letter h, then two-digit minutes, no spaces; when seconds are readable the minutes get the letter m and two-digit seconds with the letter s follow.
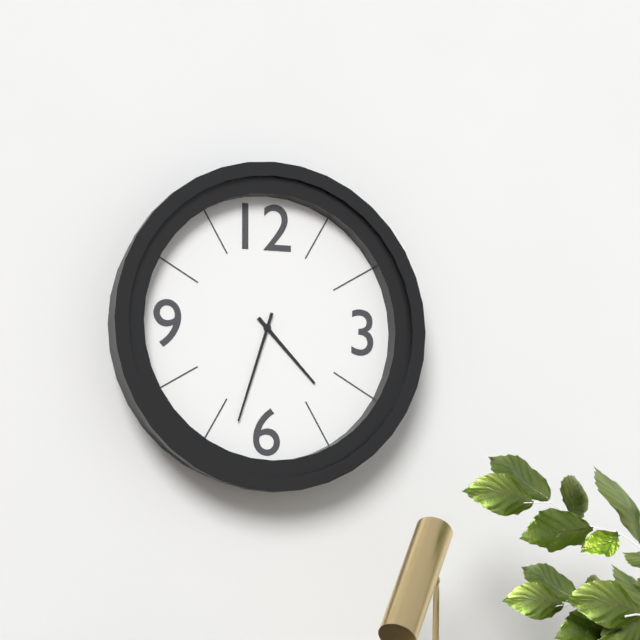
4h33
